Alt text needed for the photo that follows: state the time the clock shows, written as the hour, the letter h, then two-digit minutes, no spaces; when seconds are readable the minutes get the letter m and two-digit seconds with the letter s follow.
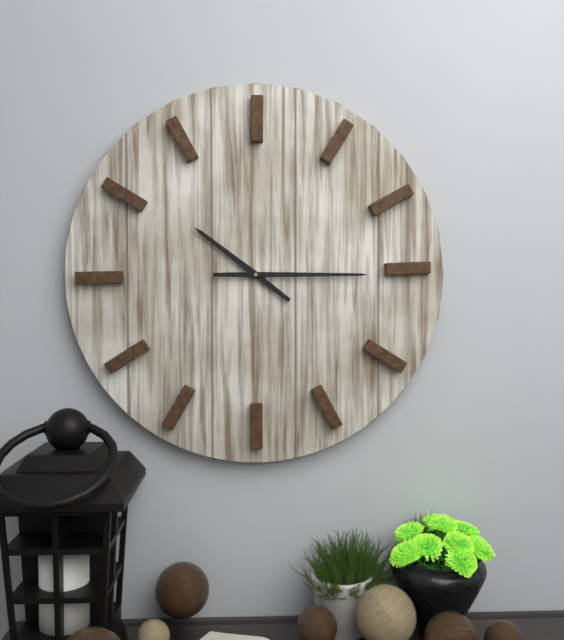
10h15
